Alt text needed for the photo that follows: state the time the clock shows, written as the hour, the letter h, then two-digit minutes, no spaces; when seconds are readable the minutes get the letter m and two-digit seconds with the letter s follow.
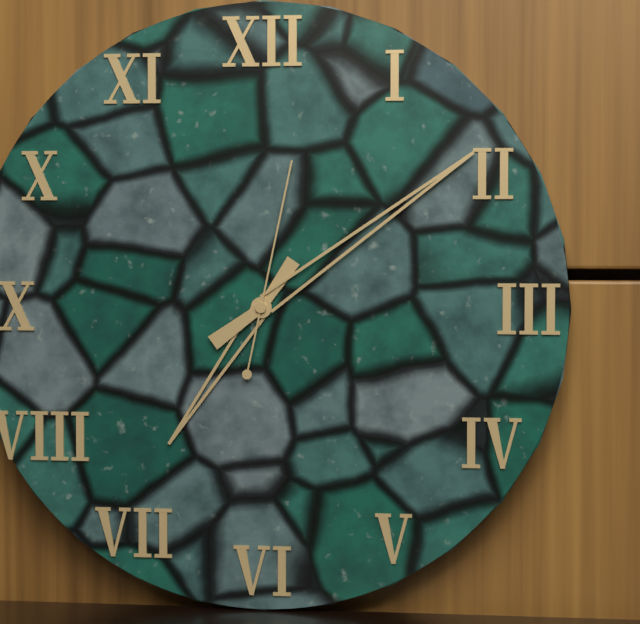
7h09m02s
